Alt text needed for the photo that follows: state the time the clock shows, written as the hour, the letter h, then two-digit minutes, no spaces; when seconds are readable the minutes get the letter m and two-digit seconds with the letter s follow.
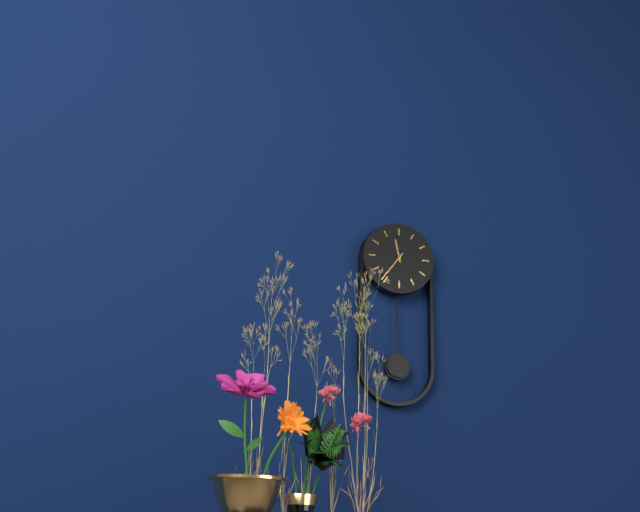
11h36
